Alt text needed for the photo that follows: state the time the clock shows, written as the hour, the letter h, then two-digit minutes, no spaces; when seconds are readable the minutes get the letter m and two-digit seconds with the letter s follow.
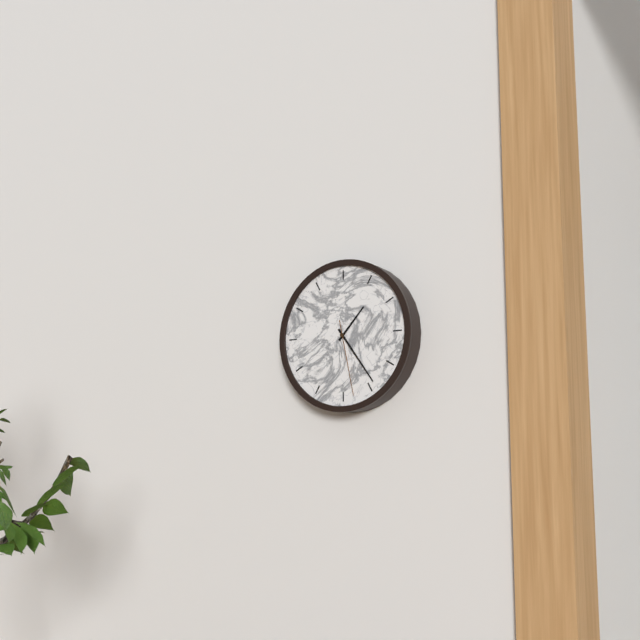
1h24m28s
